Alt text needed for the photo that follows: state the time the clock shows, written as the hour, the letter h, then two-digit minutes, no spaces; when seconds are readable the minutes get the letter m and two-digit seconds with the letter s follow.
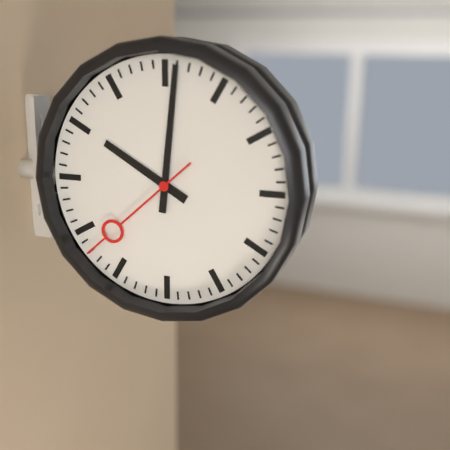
10h01m38s
